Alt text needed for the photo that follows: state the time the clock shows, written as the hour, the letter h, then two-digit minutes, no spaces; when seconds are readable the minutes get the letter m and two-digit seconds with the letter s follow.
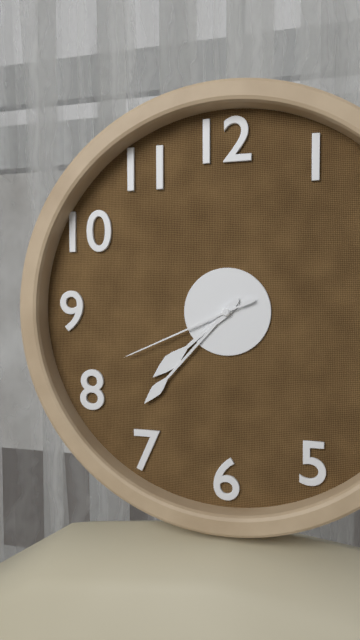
7h37m41s
